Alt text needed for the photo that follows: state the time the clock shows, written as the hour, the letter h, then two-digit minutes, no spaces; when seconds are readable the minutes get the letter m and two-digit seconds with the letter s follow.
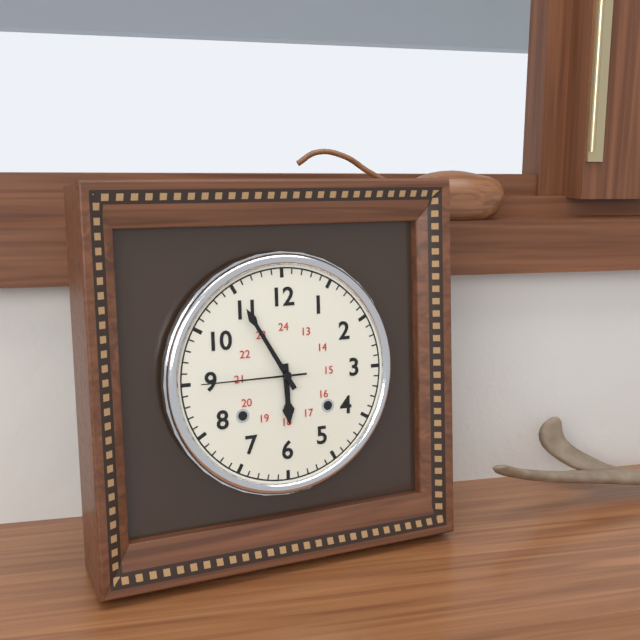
5h55m45s
